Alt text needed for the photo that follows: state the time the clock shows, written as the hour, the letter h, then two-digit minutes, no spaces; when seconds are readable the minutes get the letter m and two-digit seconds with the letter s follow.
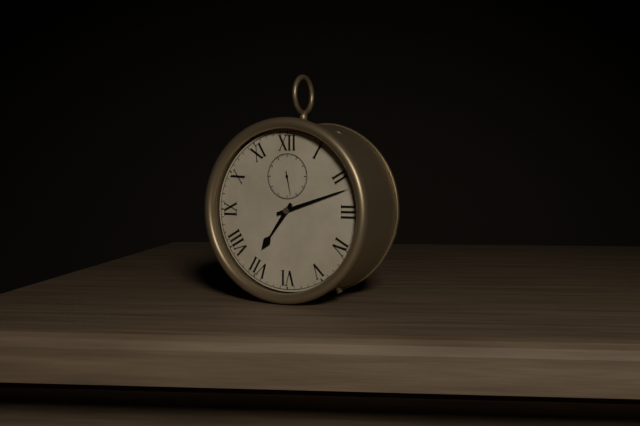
7h12
